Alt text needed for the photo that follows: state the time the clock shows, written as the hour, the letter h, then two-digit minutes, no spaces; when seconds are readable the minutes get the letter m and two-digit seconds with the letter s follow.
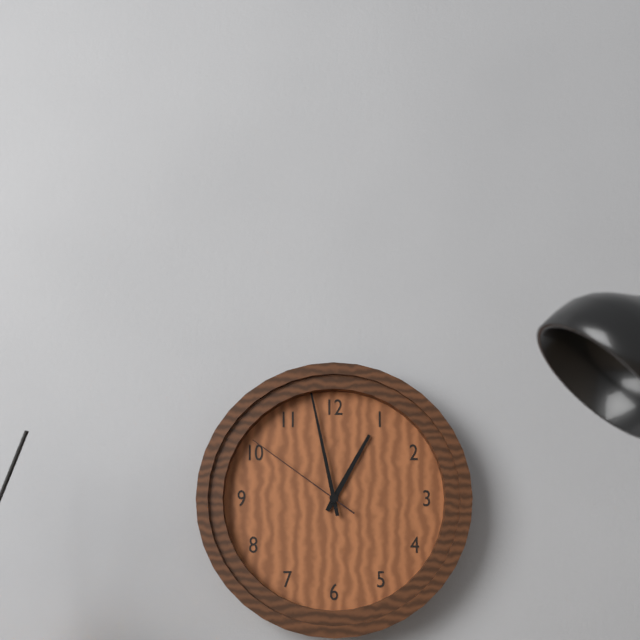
12h58m51s
